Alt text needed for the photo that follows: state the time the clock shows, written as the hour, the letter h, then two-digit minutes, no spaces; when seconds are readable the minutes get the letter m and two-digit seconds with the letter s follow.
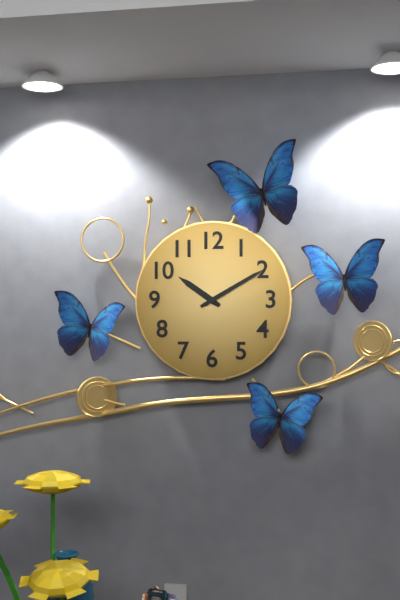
10h10
